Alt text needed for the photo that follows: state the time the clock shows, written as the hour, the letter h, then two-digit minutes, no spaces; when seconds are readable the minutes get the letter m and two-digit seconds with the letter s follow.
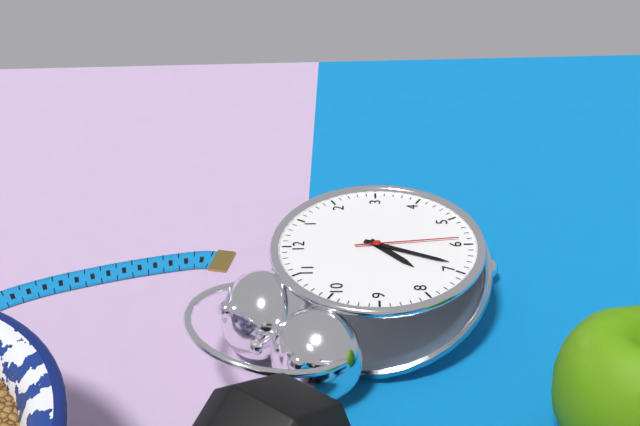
7h34m29s
